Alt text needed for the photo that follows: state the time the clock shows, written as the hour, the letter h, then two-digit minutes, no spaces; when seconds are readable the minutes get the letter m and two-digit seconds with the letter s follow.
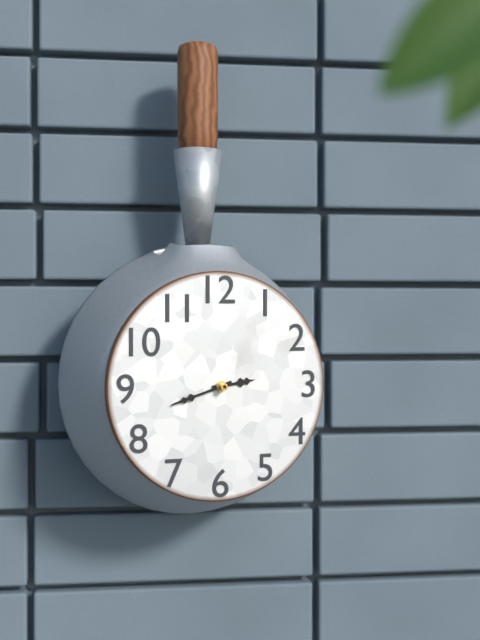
2h42
